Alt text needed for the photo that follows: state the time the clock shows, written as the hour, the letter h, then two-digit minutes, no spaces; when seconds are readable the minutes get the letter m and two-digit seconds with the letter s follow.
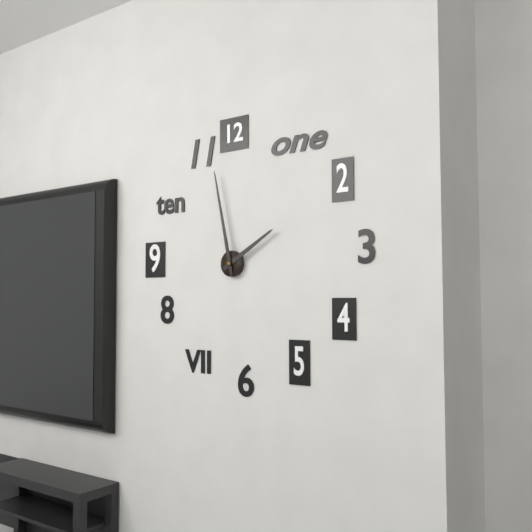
1h58
